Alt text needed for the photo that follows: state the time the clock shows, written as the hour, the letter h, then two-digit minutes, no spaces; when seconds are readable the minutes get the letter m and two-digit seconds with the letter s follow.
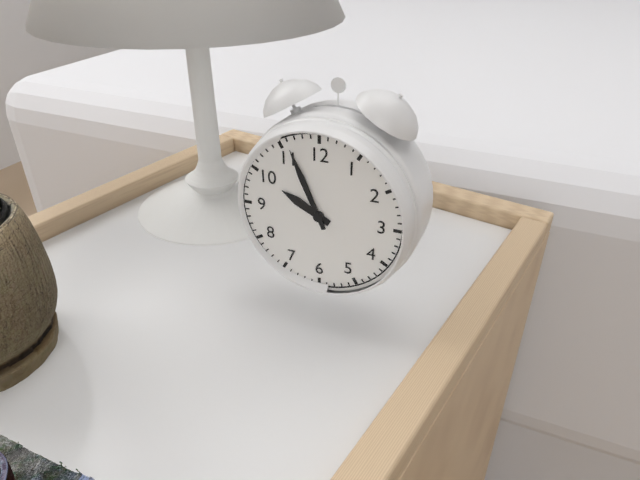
9h56
